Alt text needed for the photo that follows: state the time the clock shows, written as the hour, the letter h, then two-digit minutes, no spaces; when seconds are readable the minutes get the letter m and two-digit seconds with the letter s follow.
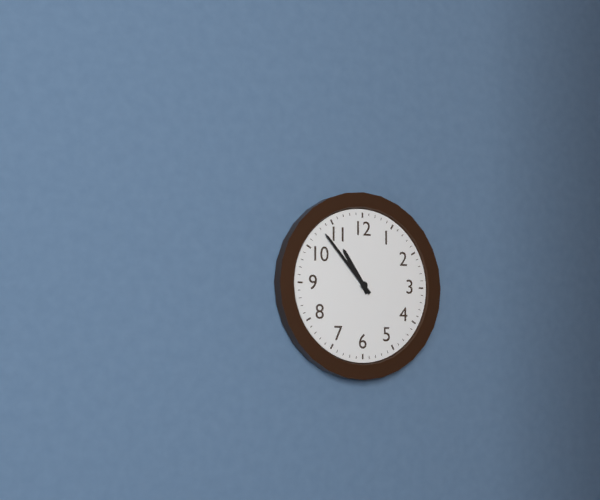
10h53
